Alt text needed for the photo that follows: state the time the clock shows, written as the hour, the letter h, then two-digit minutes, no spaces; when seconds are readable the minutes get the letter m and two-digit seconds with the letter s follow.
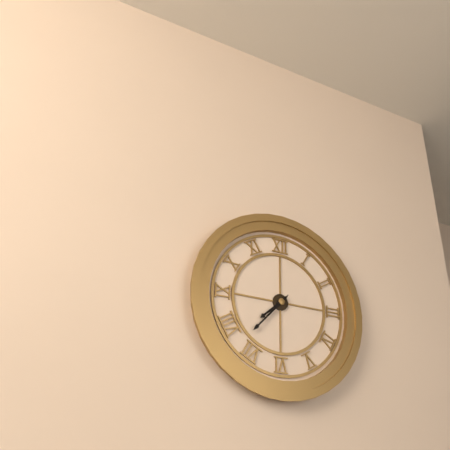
7h37
